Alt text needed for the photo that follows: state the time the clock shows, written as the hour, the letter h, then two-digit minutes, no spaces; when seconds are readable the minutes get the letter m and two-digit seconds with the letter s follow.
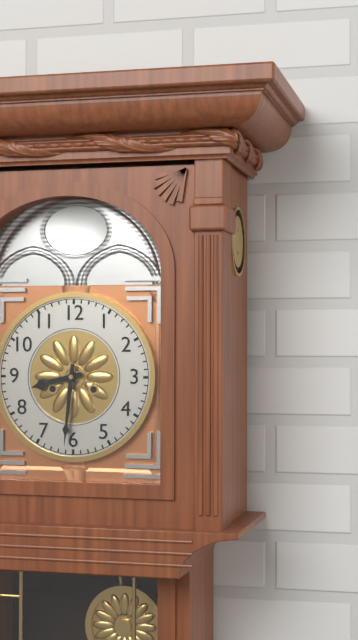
8h31
